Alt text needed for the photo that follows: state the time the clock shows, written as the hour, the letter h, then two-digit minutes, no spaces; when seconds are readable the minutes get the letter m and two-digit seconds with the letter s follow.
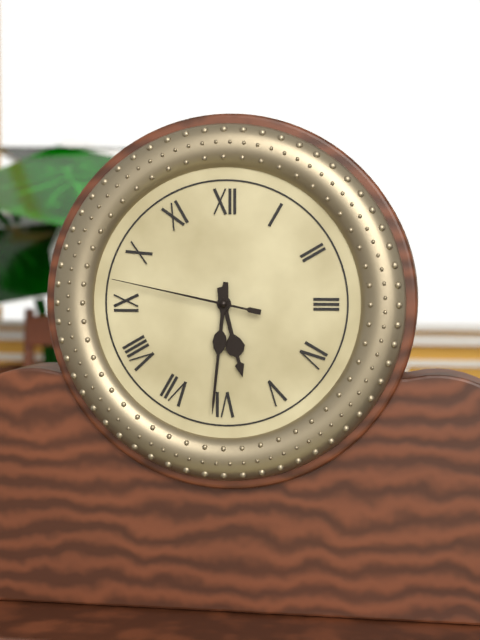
5h31m47s
